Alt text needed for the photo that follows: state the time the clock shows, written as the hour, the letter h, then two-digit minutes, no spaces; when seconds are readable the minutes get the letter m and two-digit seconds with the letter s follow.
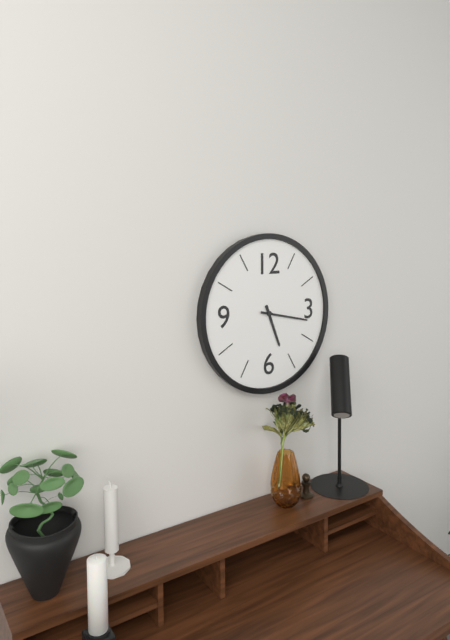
5h17
